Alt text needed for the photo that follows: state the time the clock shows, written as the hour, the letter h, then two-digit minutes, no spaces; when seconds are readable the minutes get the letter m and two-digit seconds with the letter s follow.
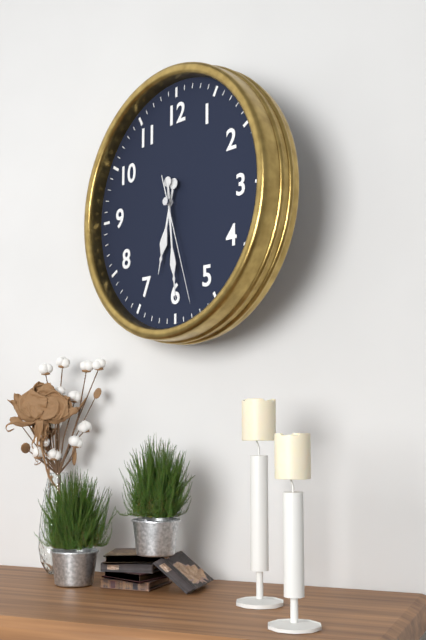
6h29m27s
